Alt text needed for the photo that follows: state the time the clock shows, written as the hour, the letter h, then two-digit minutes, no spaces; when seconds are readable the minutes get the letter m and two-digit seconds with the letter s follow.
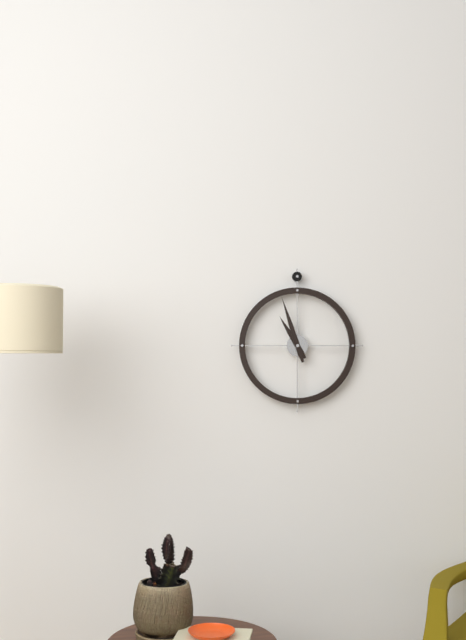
10h57
